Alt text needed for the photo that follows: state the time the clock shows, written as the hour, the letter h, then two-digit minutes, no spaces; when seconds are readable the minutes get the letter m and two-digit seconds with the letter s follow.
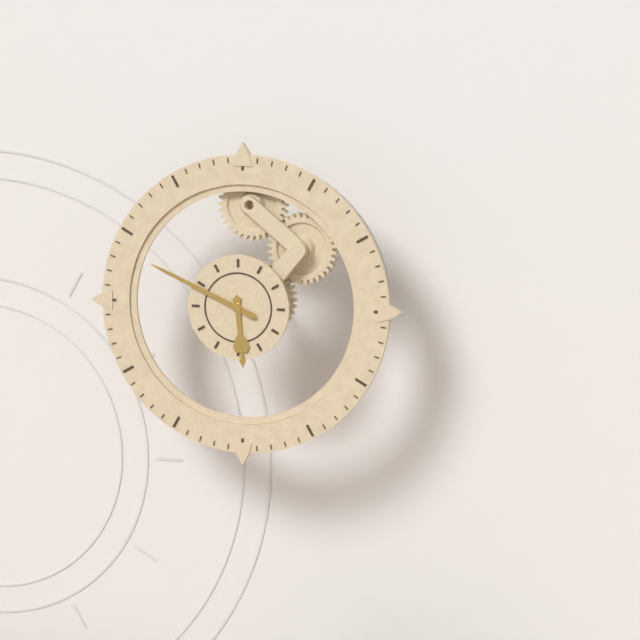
5h49
